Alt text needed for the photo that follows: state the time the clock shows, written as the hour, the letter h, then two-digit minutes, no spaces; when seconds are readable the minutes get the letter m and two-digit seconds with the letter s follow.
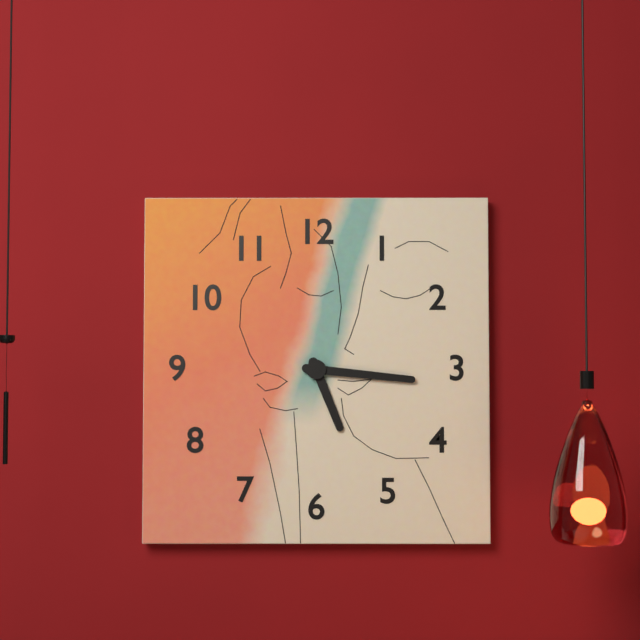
5h16
